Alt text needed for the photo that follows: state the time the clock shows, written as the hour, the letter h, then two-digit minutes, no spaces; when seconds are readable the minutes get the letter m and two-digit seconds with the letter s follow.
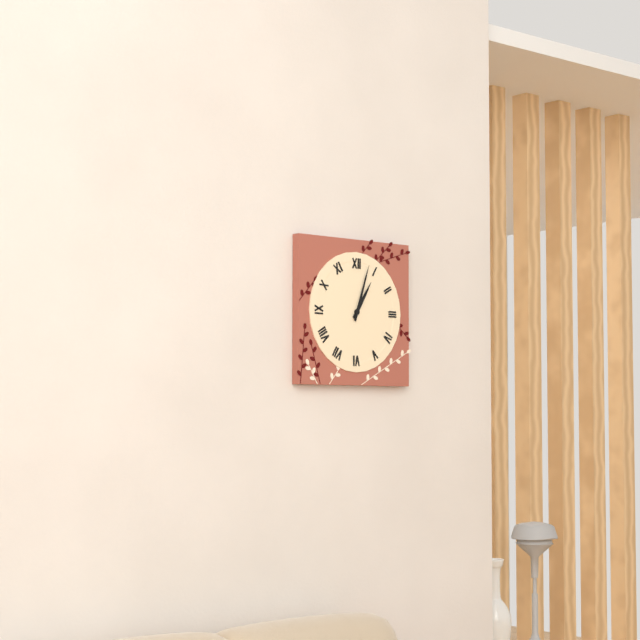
1h03
